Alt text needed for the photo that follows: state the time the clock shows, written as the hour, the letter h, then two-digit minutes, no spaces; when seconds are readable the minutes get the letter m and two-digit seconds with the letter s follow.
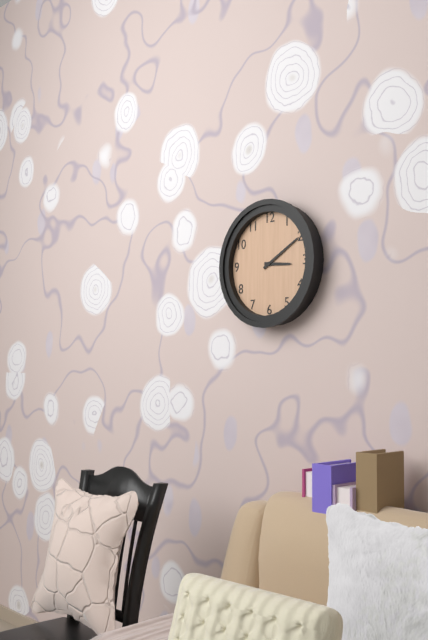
3h10
